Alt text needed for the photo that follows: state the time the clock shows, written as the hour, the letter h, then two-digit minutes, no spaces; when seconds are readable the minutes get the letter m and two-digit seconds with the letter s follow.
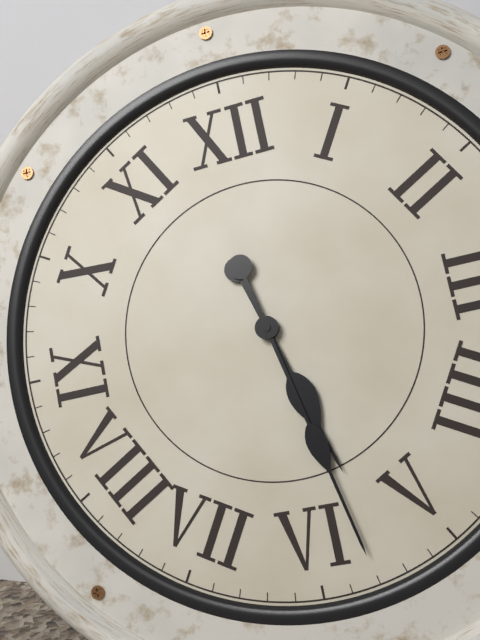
5h28
